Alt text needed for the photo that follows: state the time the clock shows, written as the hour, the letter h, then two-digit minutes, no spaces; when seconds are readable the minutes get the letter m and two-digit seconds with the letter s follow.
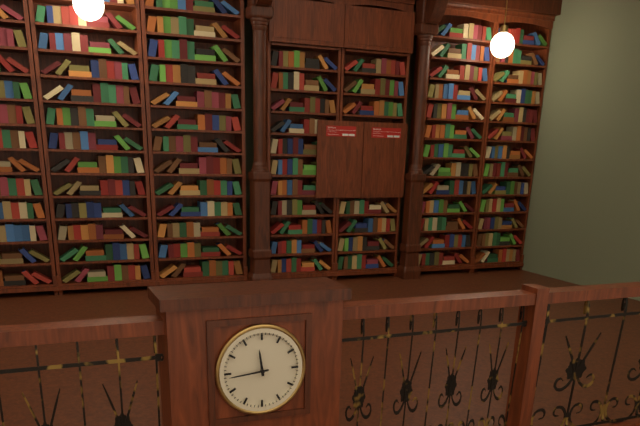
11h44
